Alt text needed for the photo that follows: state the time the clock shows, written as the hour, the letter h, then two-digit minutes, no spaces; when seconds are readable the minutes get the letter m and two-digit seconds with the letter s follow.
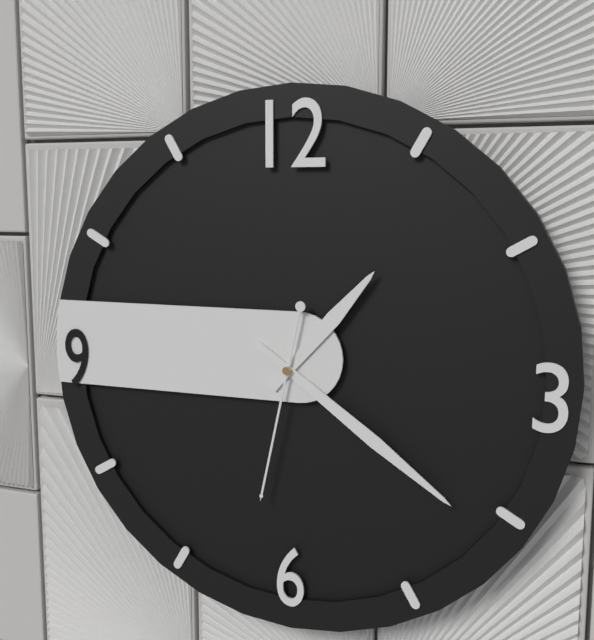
1h21m32s
